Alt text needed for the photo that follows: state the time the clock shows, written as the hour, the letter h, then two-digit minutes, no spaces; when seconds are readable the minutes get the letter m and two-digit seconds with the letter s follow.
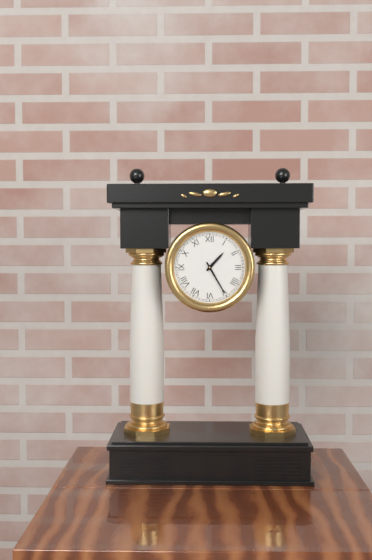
1h25
